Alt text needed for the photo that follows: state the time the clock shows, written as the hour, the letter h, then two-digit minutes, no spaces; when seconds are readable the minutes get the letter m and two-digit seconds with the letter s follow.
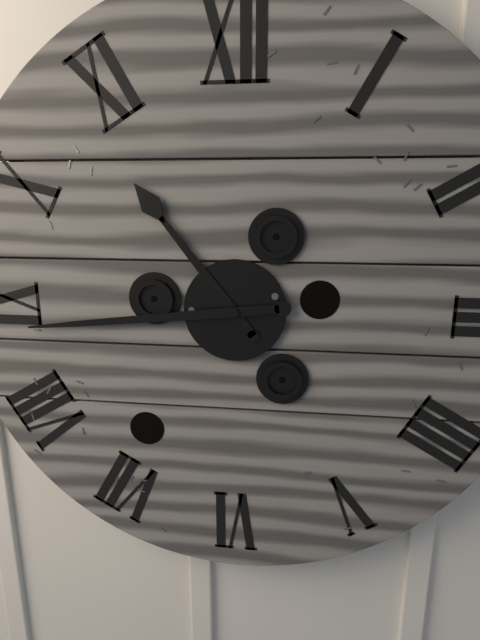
10h44
